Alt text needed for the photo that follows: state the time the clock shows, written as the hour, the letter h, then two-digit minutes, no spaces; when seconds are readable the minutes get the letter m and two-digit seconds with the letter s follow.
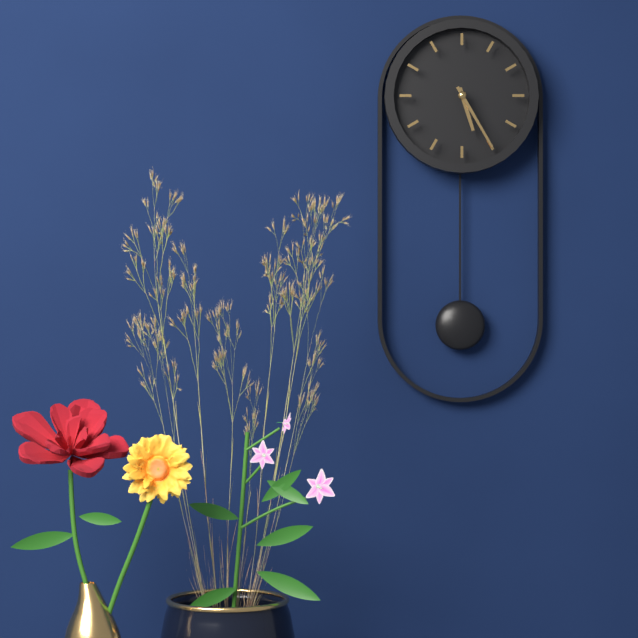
5h25
